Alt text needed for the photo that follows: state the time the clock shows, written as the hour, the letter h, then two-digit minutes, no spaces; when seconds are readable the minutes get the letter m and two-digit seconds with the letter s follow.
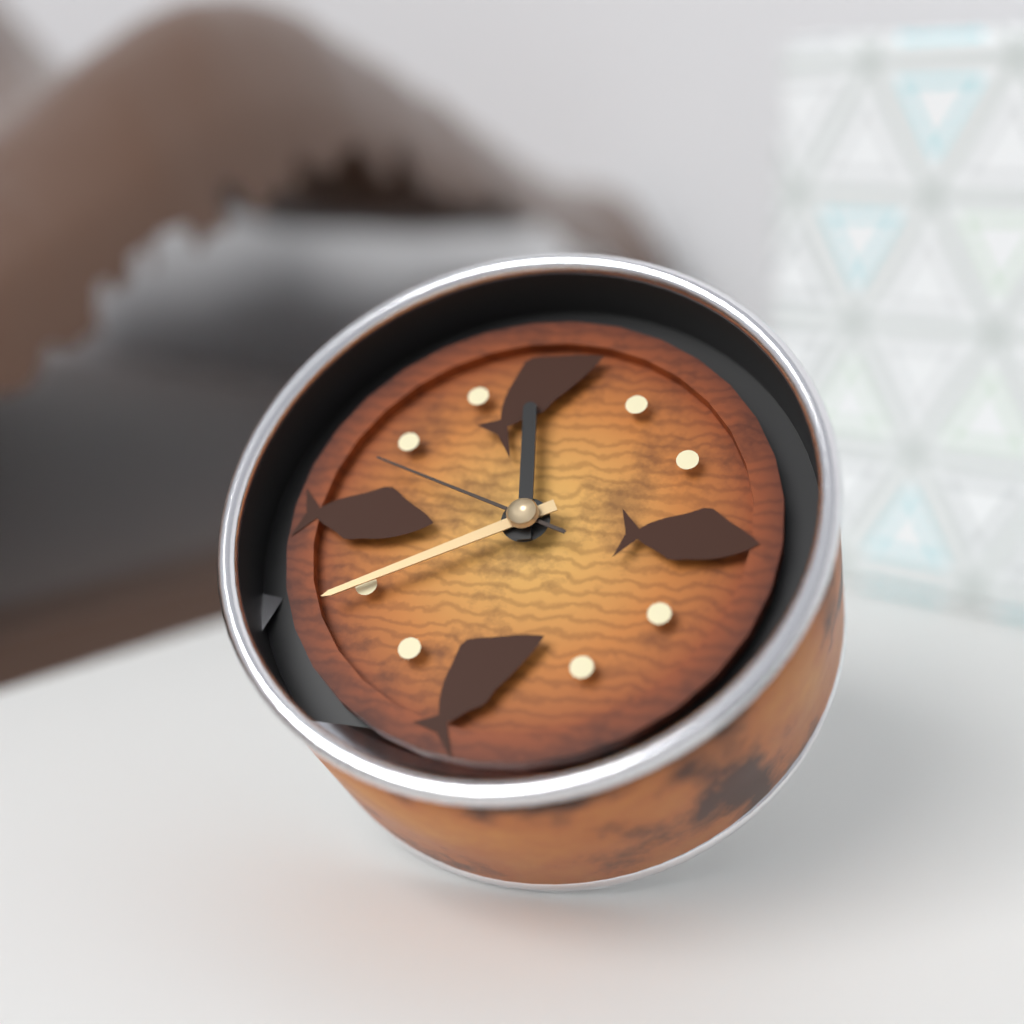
11h40m48s
